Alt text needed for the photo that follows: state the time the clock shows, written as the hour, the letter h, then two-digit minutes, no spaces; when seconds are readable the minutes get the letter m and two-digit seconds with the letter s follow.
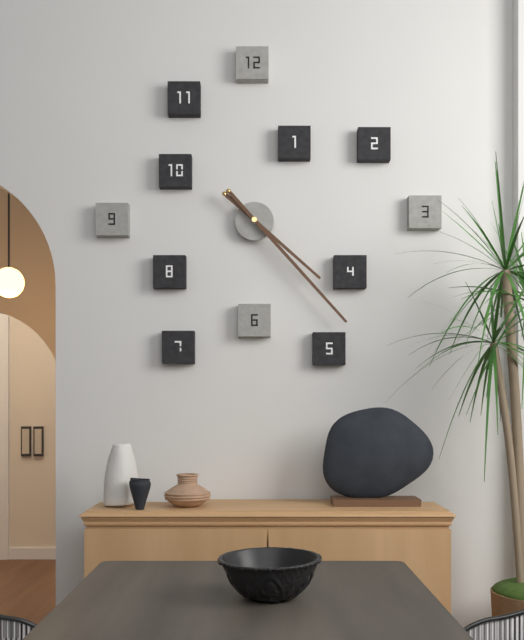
4h23
